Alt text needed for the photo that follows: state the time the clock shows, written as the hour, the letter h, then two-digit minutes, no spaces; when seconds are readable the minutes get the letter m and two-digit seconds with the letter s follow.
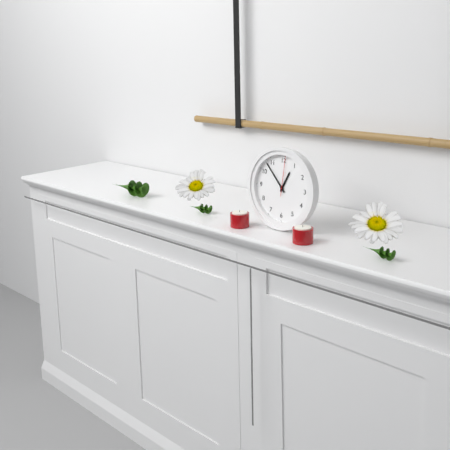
12h53
